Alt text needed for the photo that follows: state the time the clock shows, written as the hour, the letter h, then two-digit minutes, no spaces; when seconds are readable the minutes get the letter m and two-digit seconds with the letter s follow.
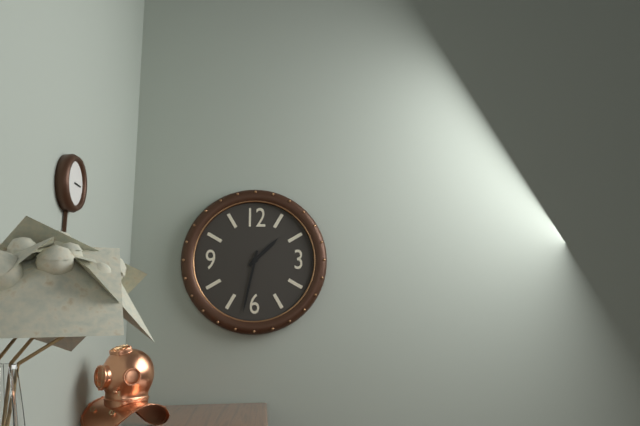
1h32
